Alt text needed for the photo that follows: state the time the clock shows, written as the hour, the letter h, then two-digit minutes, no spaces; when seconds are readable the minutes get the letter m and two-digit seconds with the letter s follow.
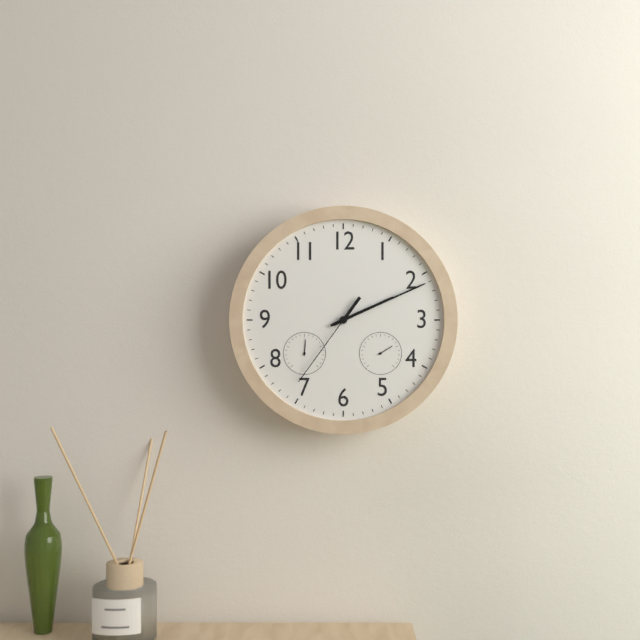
2h11m36s
